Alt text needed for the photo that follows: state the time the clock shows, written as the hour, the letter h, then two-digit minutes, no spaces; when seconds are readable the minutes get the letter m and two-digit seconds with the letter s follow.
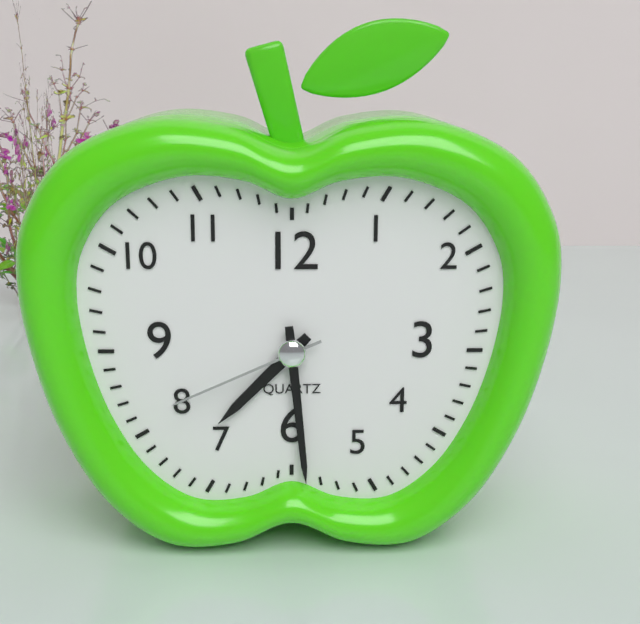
7h29m41s
